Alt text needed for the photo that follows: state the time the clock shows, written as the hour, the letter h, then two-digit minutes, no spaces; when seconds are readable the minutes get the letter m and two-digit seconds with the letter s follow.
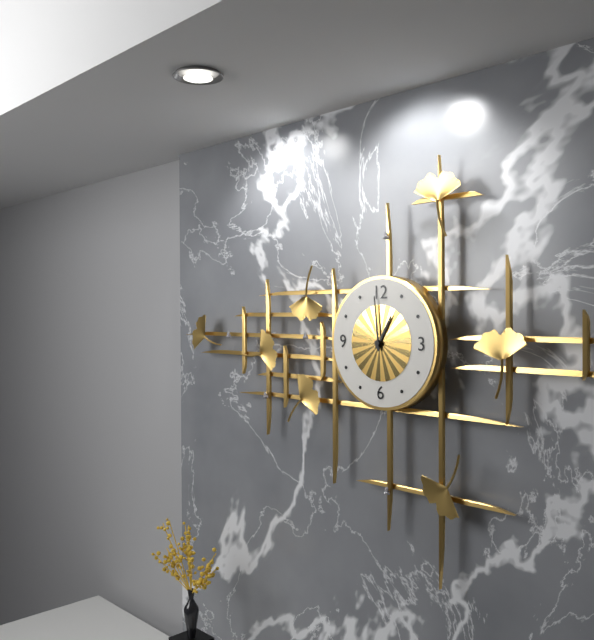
12h59
